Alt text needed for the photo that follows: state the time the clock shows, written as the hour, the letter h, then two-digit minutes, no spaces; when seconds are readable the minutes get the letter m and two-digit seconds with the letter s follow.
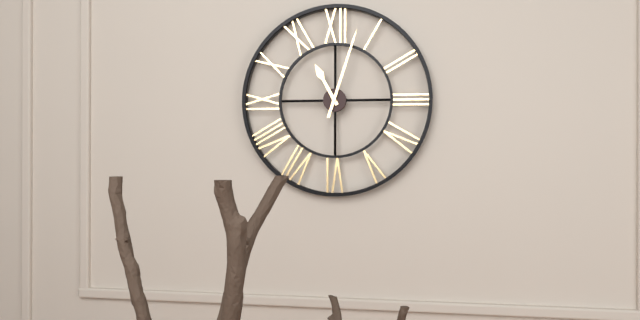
11h03
